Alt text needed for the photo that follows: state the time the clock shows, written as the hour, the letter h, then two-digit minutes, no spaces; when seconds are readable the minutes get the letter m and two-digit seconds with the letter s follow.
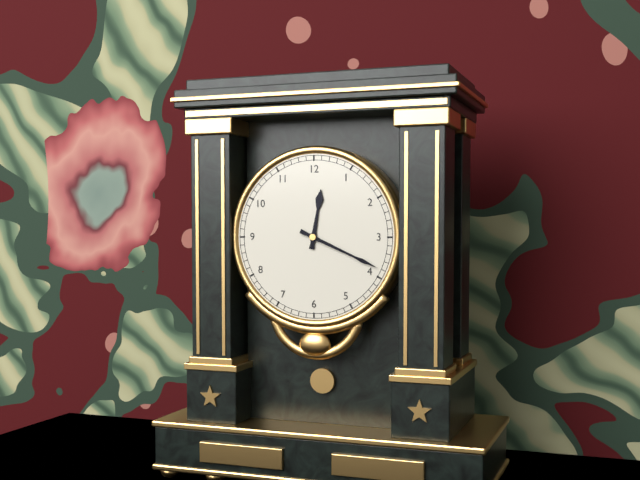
12h19
